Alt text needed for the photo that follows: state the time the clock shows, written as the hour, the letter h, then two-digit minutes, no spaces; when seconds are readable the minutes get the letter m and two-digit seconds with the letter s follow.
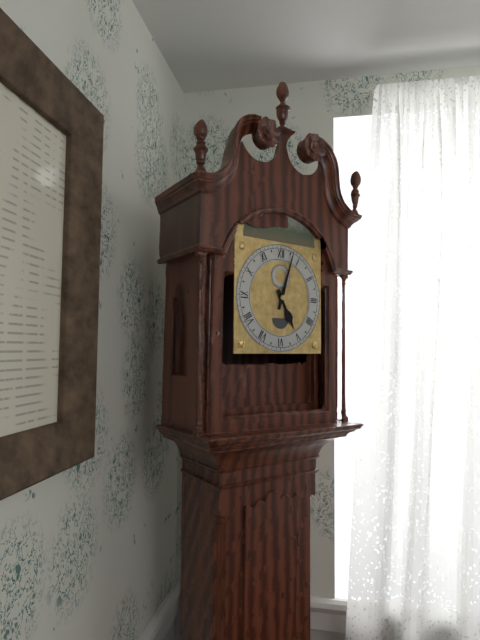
5h03
